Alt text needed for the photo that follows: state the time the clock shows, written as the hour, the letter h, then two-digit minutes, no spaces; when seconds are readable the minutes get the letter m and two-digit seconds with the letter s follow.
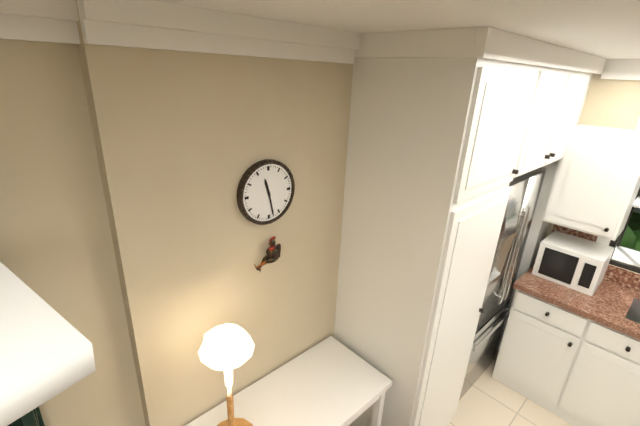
11h28
